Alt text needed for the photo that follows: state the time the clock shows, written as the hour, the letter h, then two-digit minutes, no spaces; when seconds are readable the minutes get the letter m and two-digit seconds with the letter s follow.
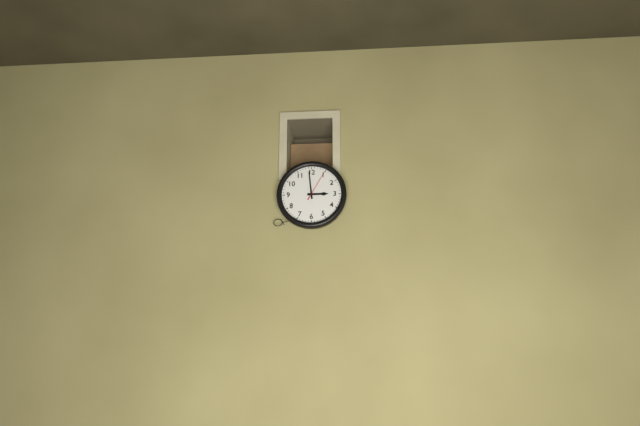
2h59
